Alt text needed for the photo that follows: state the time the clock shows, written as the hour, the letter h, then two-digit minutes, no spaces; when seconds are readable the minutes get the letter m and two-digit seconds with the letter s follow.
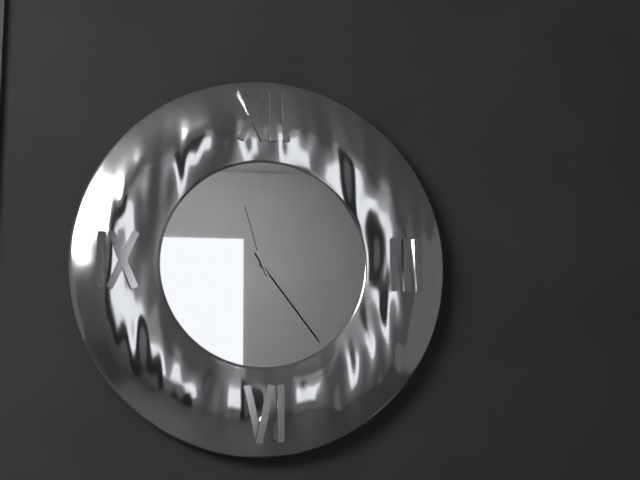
11h24
